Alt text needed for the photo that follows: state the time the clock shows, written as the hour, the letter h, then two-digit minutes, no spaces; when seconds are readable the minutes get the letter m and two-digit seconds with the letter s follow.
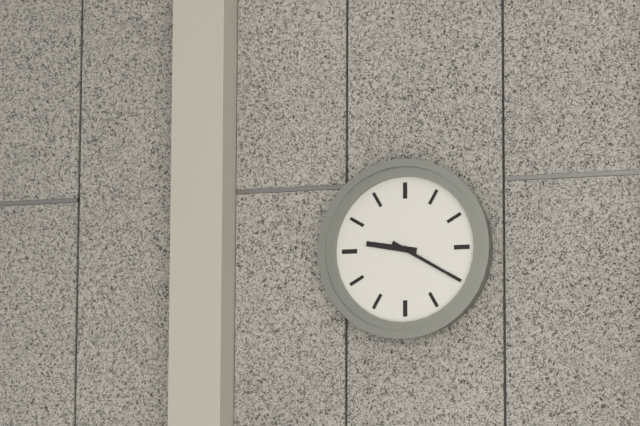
9h20
